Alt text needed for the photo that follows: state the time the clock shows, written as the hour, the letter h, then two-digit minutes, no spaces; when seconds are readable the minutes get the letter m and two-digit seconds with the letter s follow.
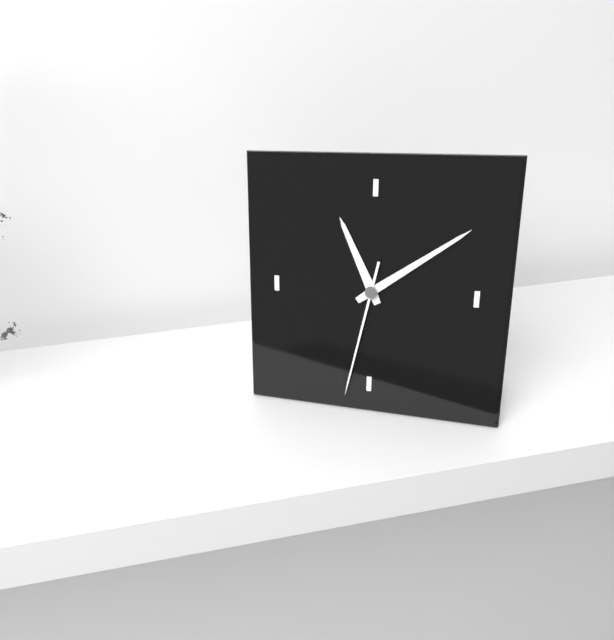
11h09m32s
